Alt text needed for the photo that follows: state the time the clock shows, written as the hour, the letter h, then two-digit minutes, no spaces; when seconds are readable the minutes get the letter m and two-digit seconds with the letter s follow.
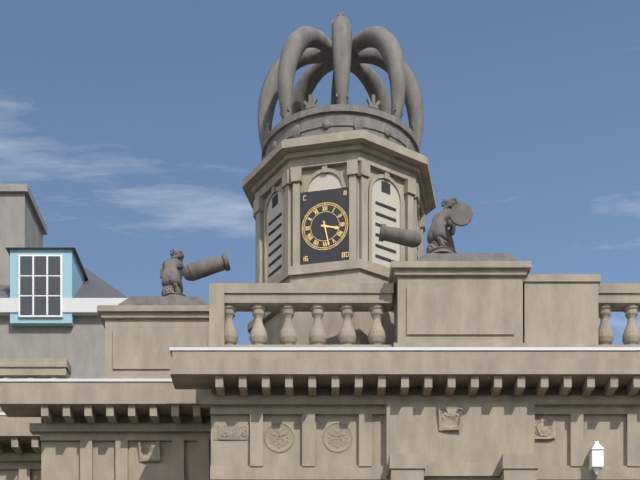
3h28
